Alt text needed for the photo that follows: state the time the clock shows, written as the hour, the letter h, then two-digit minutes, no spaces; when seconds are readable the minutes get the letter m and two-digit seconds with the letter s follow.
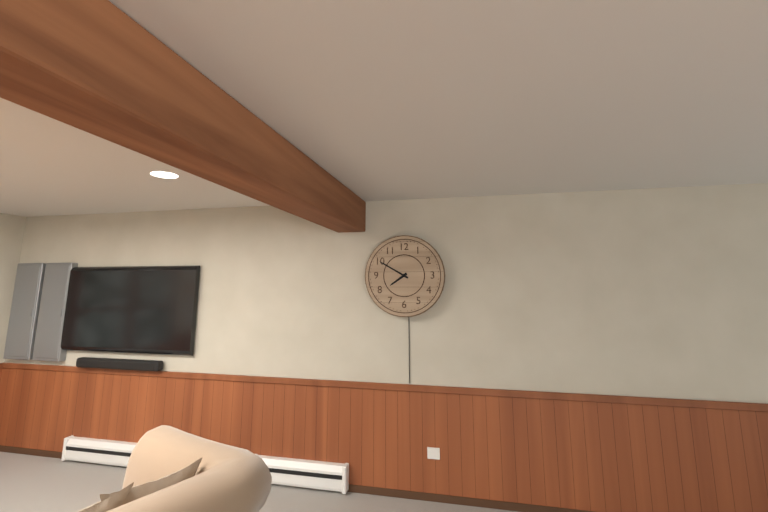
7h50
